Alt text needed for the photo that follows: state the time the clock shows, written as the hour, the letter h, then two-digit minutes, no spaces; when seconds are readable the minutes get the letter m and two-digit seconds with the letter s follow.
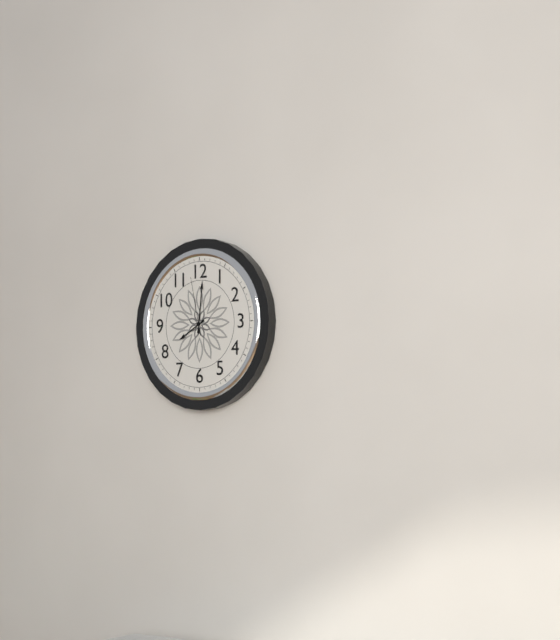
8h01m58s
